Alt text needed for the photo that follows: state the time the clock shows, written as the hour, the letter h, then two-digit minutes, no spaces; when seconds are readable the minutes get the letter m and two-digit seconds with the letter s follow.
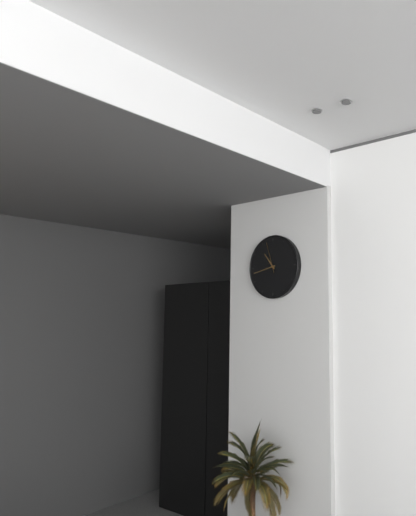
10h43
